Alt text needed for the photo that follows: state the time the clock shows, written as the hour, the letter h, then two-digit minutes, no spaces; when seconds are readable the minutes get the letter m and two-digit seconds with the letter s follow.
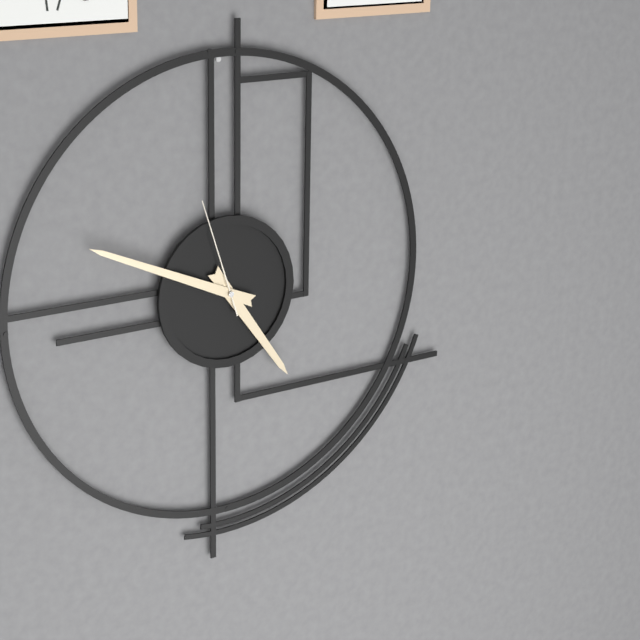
4h49m57s
